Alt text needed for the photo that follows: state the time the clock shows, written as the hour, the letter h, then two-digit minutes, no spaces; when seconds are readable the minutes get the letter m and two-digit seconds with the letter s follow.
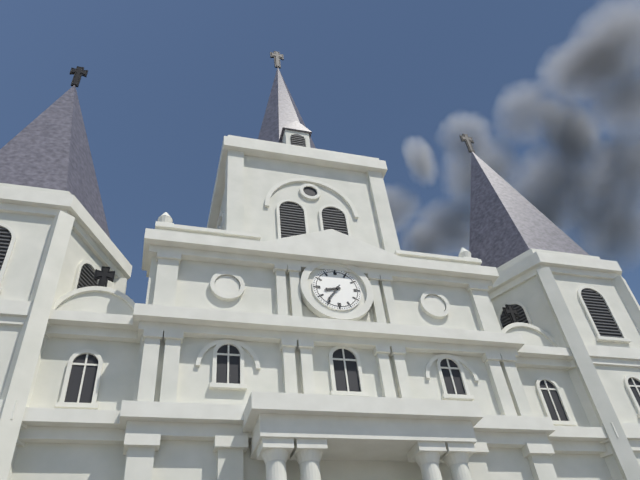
8h36
